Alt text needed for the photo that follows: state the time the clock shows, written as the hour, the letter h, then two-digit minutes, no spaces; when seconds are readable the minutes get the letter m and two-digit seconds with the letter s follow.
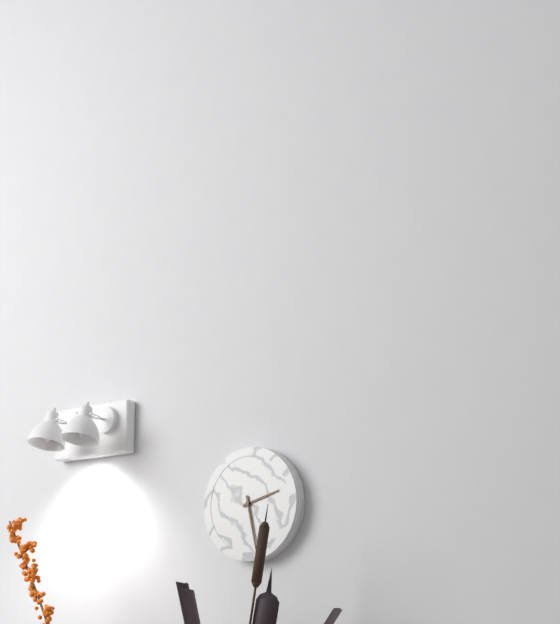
2h28
